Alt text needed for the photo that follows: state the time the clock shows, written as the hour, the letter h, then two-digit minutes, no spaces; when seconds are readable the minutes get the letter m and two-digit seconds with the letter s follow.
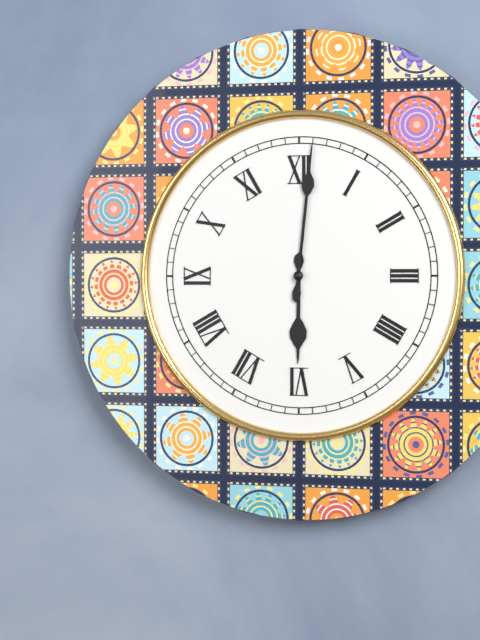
6h01
